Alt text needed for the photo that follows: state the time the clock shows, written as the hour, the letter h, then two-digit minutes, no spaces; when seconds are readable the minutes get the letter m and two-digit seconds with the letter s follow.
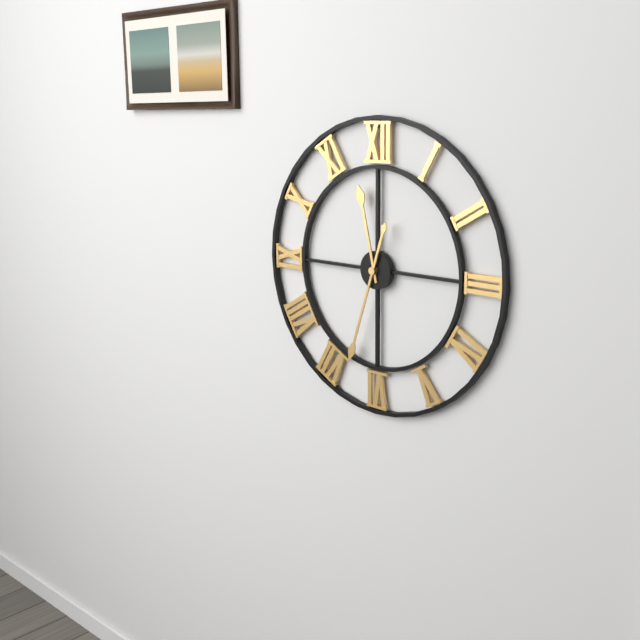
11h33
